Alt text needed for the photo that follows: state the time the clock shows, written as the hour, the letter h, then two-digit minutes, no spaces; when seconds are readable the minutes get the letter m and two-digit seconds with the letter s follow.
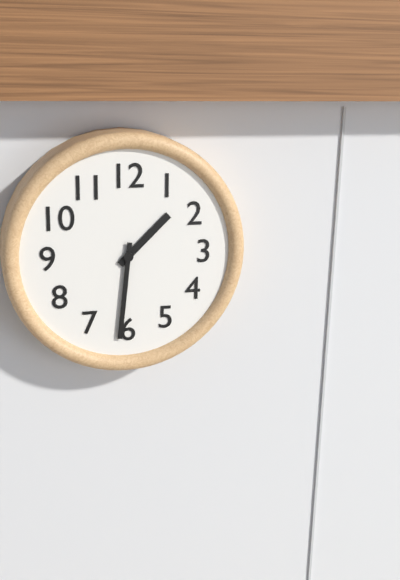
1h31
